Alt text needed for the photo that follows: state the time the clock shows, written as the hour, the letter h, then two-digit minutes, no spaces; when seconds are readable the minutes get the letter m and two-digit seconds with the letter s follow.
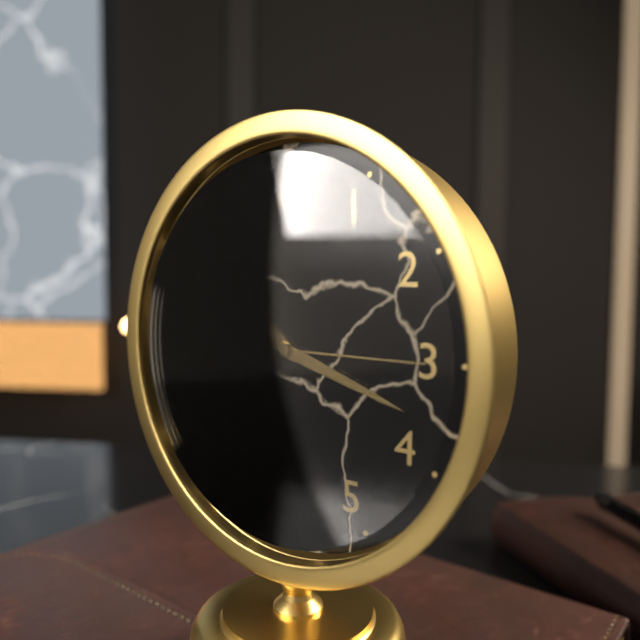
10h18m15s
